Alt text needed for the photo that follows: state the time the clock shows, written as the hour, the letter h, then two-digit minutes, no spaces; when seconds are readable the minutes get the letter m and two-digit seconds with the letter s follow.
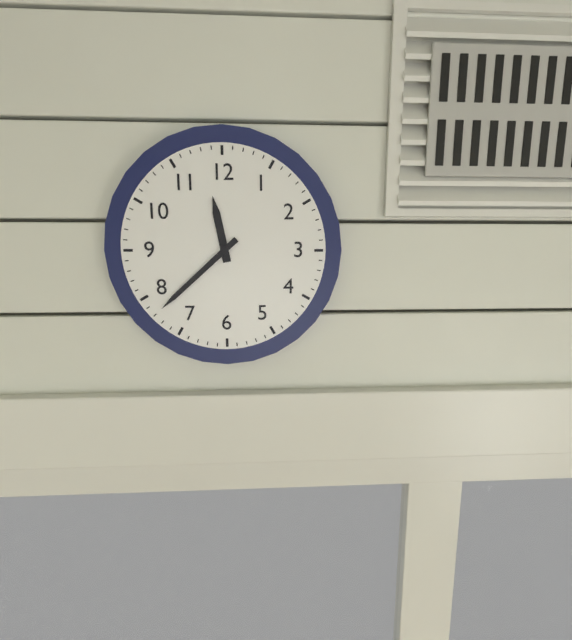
11h38
